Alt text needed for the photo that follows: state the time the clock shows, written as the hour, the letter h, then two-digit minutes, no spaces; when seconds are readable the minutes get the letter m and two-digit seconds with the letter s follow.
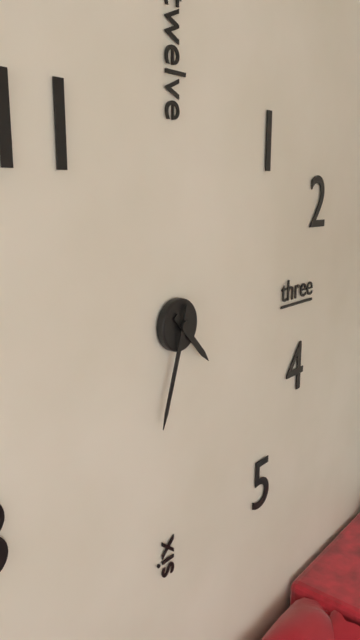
4h33
